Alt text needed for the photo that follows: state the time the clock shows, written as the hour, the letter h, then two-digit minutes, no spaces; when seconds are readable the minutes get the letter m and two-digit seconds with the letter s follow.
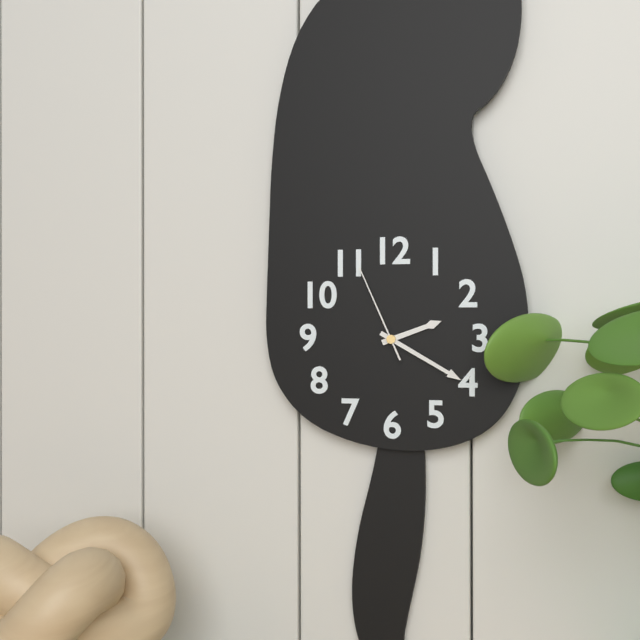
2h20m56s
